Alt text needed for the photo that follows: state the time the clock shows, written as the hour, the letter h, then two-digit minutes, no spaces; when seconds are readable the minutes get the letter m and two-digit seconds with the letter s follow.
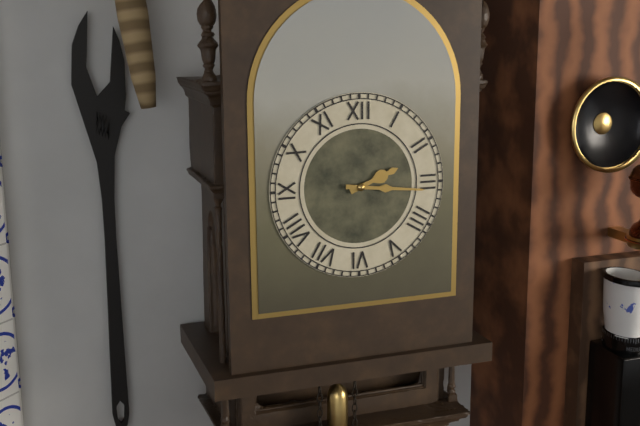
2h16
